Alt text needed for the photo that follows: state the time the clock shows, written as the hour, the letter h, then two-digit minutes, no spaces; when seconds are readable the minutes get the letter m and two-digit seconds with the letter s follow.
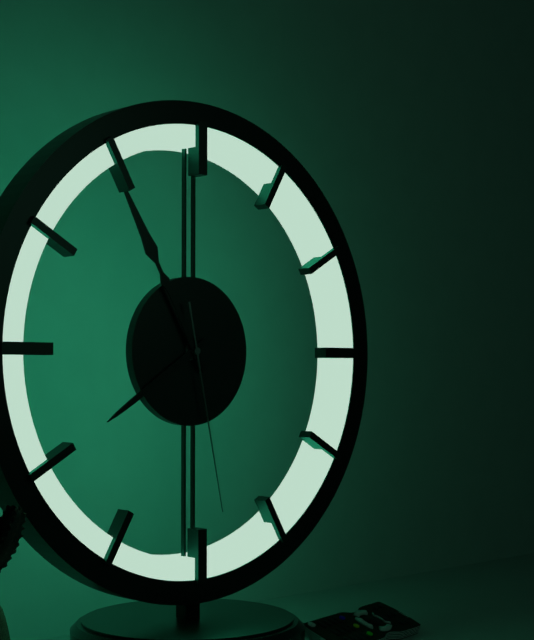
7h55m28s
